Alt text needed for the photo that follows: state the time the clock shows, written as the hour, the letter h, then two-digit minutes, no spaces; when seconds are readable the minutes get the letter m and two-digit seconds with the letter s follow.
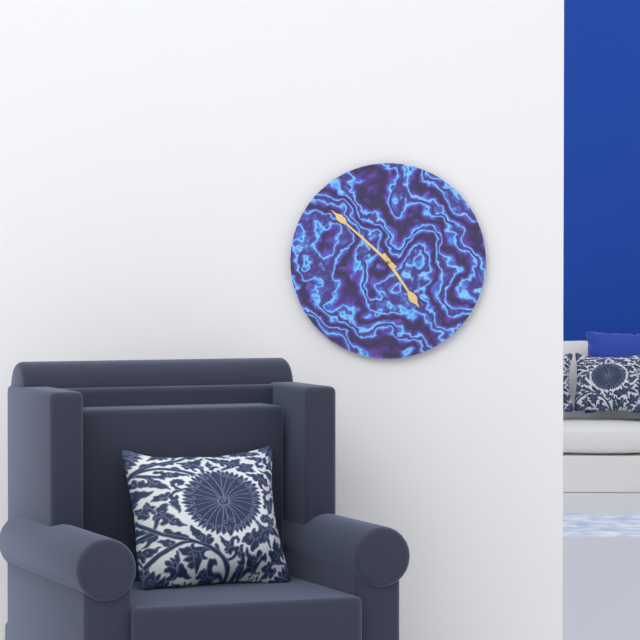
4h52
